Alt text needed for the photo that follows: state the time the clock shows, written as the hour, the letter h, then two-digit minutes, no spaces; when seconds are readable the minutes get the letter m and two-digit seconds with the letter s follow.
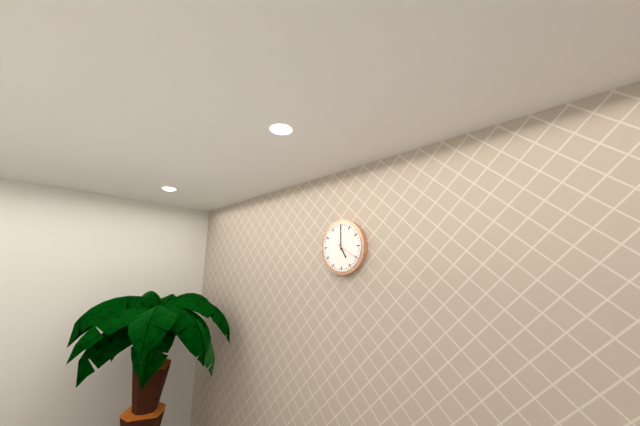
5h00
